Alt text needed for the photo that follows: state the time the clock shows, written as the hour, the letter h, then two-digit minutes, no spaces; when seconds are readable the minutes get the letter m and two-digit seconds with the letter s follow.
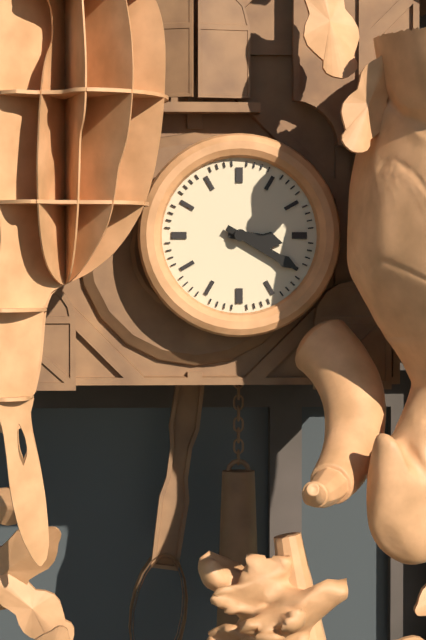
3h20
